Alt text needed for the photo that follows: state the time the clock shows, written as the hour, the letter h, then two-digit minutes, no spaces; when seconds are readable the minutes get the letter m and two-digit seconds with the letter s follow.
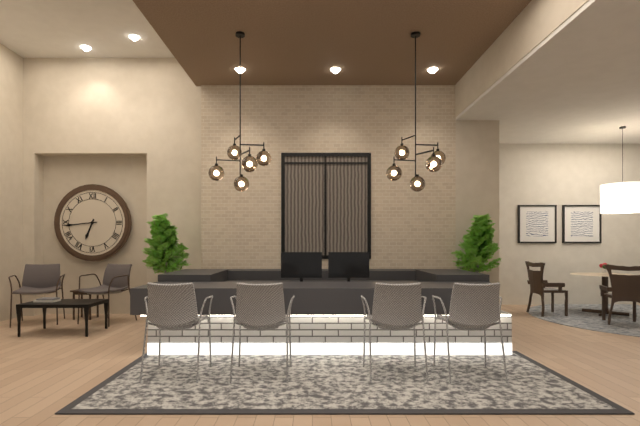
6h44
